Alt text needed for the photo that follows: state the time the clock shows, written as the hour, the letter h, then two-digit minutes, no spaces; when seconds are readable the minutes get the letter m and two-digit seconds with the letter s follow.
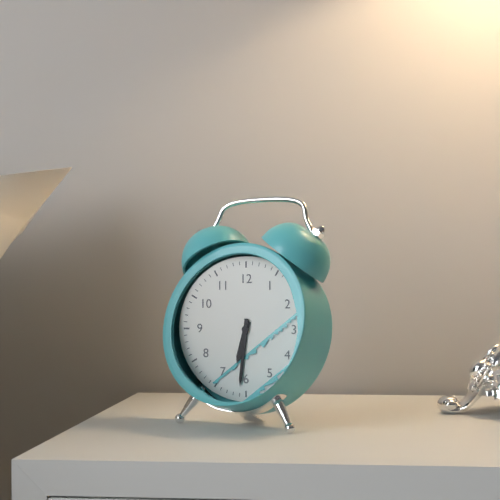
6h31
